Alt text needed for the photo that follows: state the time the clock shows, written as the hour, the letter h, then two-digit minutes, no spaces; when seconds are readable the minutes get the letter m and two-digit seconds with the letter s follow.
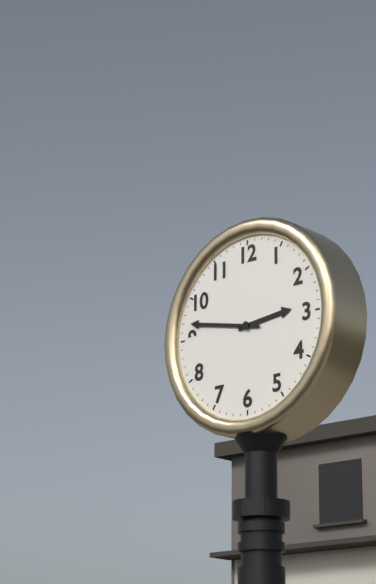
2h47
